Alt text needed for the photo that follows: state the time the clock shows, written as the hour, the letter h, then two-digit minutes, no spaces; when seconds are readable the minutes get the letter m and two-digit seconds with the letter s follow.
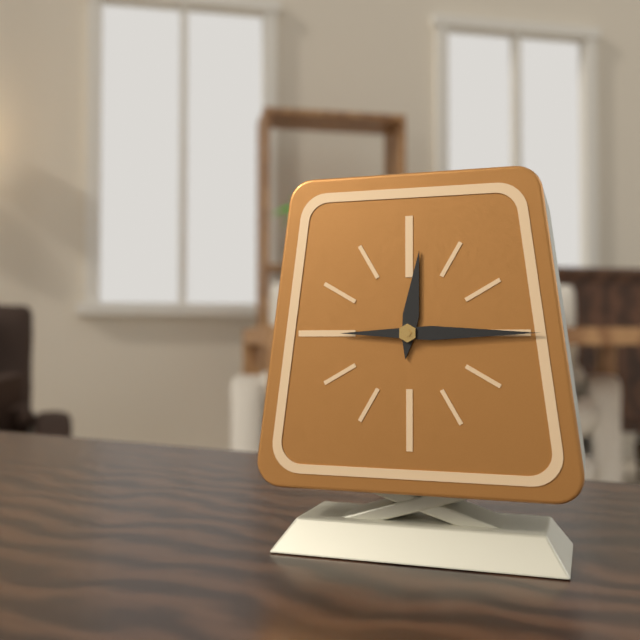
12h15
